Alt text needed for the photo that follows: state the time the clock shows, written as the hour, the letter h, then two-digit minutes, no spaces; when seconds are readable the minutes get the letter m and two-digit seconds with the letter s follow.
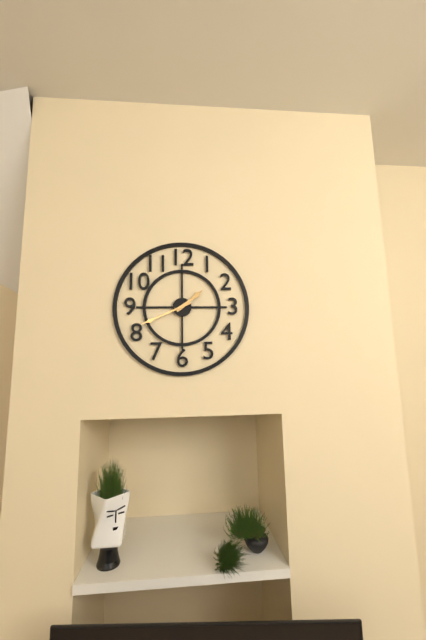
1h41
